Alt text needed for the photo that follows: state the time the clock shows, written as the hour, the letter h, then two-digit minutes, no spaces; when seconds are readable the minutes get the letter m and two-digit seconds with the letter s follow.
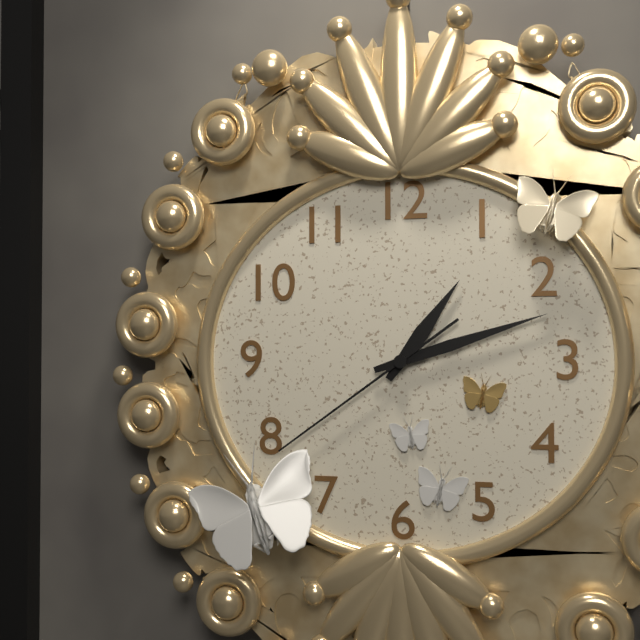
1h12m39s
